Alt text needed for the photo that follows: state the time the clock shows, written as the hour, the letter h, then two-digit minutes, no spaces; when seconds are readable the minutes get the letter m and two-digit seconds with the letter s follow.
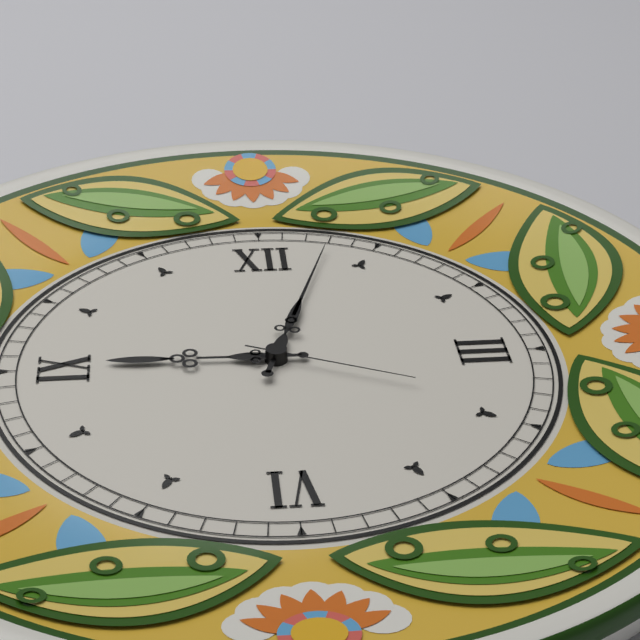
9h03m19s
